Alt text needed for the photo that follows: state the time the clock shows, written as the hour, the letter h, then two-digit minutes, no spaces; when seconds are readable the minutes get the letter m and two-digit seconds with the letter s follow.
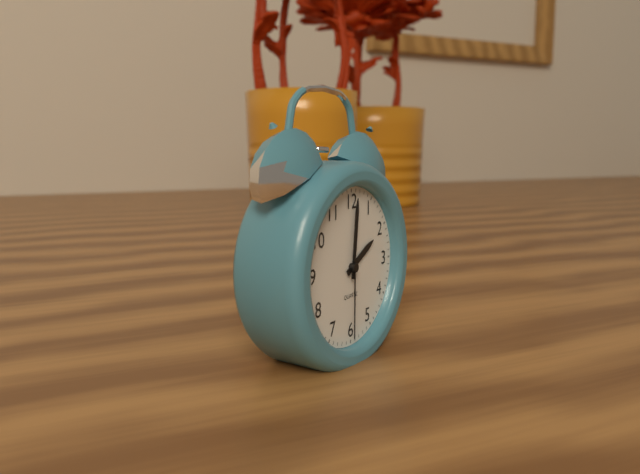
2h01m30s
